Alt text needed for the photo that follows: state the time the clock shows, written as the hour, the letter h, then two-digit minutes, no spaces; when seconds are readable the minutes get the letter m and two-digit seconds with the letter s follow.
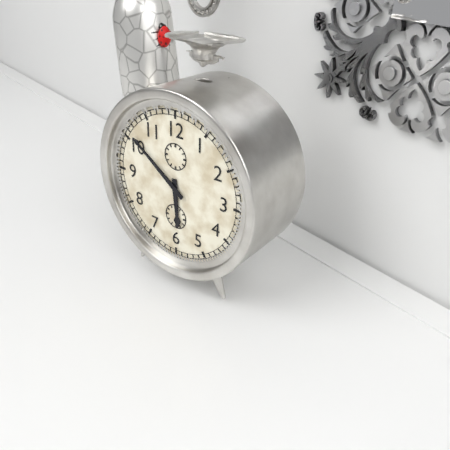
5h51
